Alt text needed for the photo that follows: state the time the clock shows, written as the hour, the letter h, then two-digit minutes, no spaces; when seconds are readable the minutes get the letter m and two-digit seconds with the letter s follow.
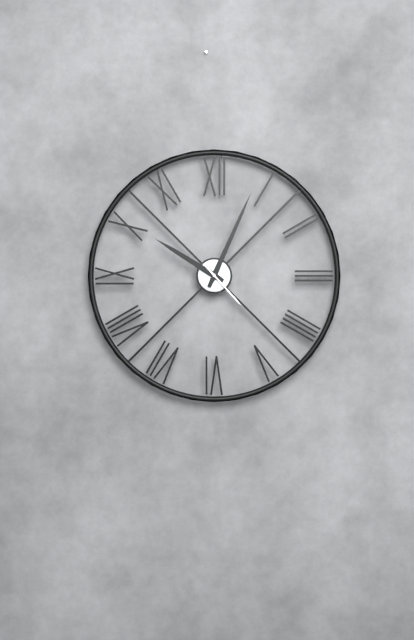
10h04
